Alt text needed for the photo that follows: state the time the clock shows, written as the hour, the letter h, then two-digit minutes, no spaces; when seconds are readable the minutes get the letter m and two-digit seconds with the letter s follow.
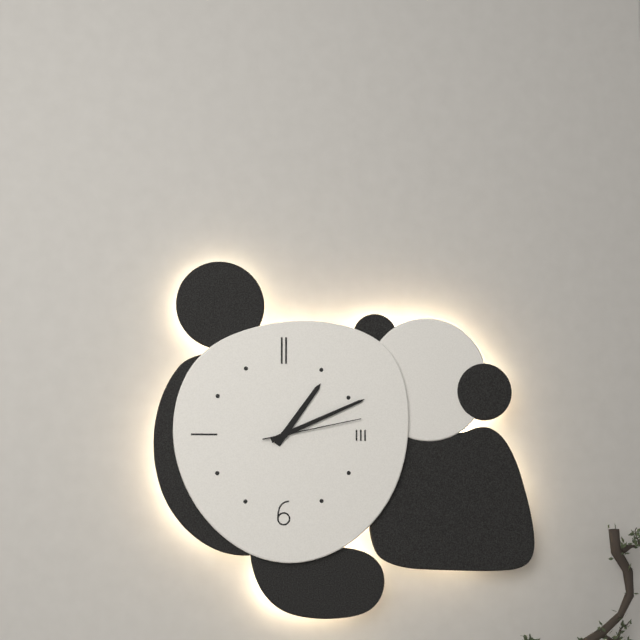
1h11m13s
